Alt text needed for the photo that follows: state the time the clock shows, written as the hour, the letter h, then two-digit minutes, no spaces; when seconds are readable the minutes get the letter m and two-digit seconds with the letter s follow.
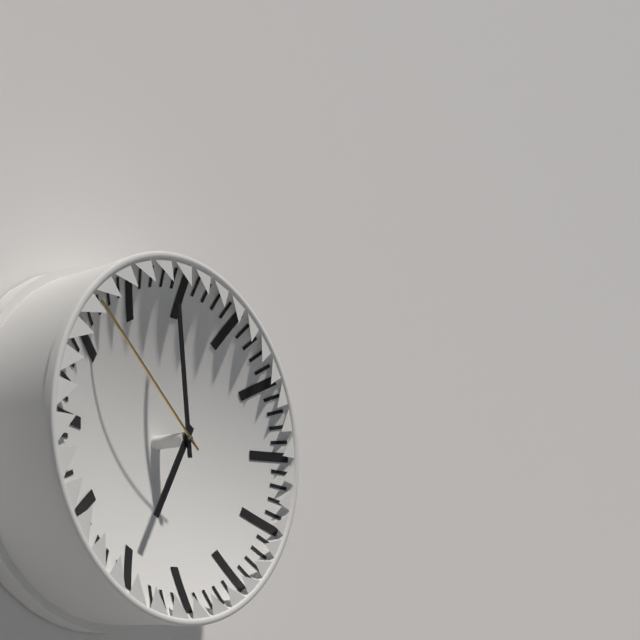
6h59m52s
